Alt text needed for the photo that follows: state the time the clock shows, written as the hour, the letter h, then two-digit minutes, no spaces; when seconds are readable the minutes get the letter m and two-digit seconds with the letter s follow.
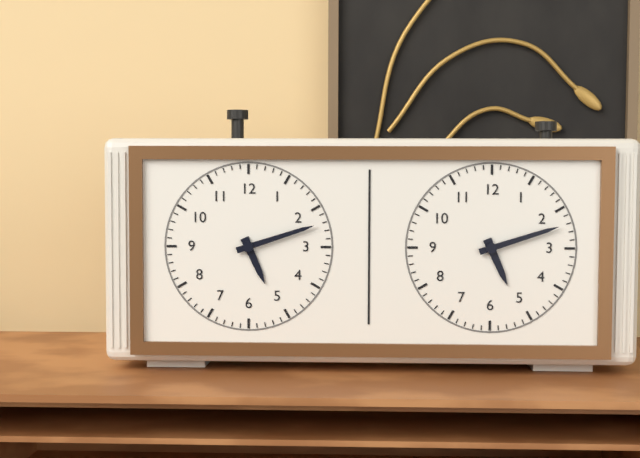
5h12
